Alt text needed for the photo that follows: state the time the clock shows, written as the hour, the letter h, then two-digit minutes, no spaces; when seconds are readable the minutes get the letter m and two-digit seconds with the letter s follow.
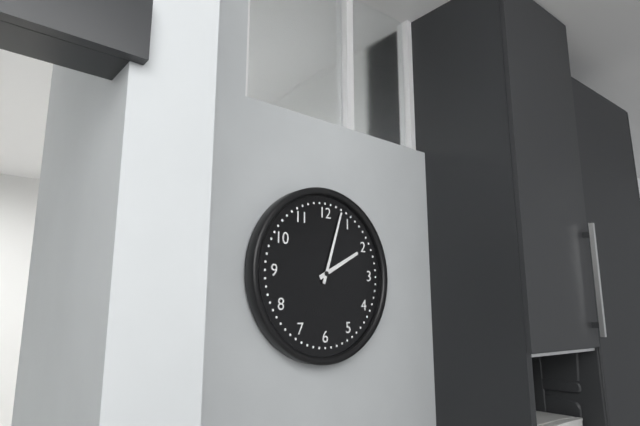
2h03
